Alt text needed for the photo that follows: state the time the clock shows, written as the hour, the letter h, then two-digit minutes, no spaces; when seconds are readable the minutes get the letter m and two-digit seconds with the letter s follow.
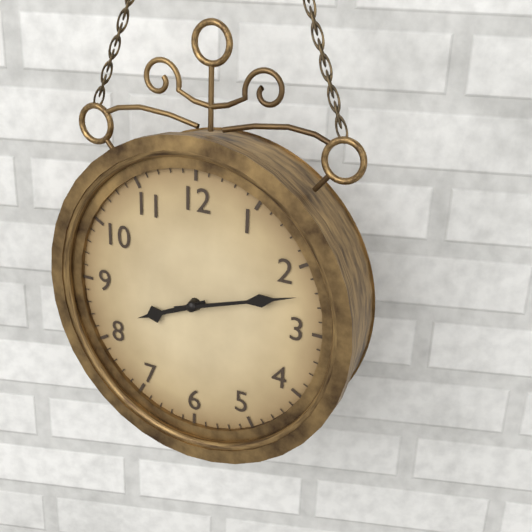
8h12
